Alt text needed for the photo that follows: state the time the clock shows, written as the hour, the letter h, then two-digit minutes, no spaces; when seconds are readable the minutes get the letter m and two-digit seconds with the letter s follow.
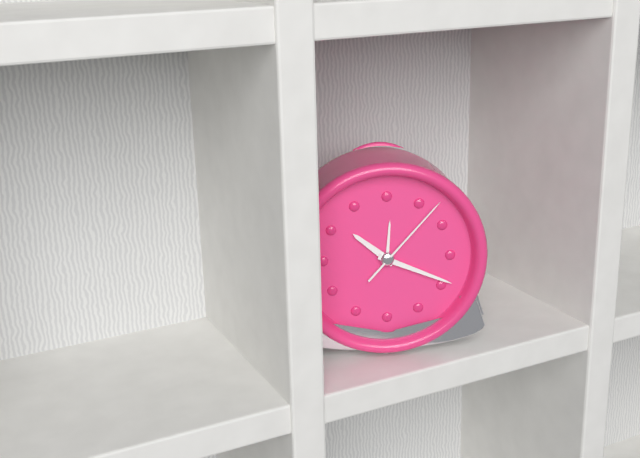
10h19m07s
